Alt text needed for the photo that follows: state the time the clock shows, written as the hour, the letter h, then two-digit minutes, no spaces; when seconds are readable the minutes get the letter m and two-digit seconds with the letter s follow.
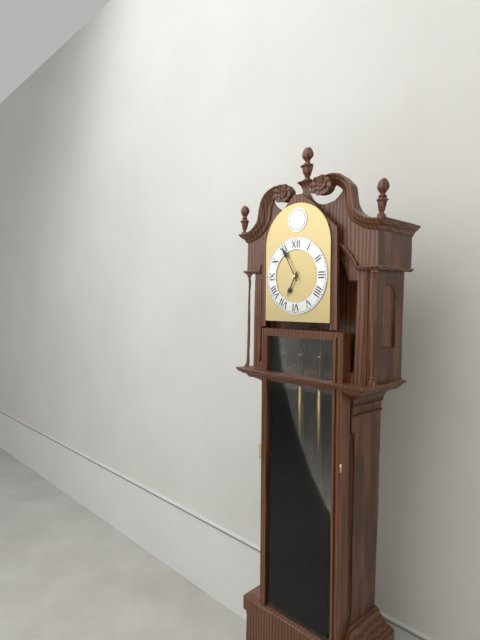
6h55
